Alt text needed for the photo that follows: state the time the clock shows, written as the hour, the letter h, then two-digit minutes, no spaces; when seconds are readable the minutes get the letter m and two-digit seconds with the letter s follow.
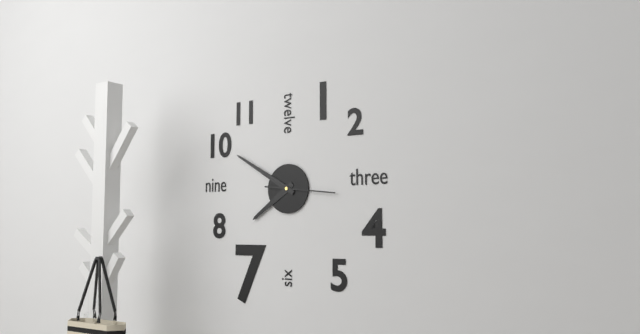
7h50m16s
